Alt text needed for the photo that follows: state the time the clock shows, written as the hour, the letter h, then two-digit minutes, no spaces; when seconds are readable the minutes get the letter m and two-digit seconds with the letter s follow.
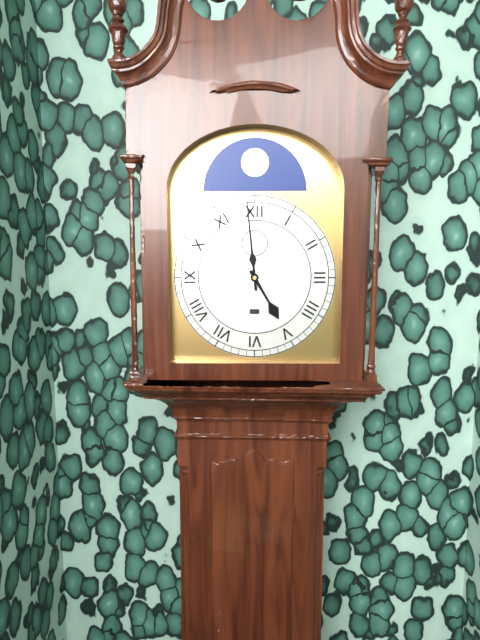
4h59
